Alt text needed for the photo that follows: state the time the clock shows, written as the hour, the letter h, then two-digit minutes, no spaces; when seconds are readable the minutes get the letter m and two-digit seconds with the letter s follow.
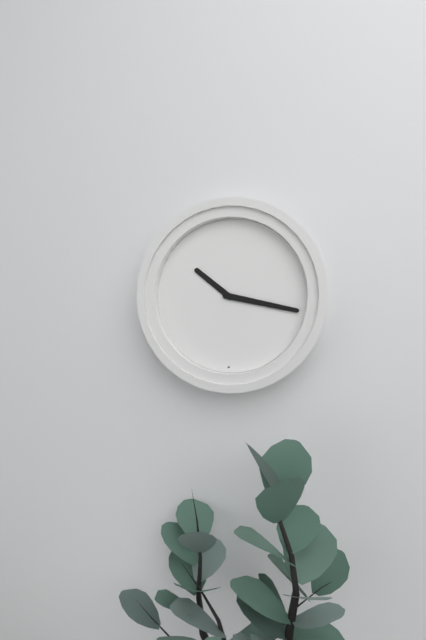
10h17
